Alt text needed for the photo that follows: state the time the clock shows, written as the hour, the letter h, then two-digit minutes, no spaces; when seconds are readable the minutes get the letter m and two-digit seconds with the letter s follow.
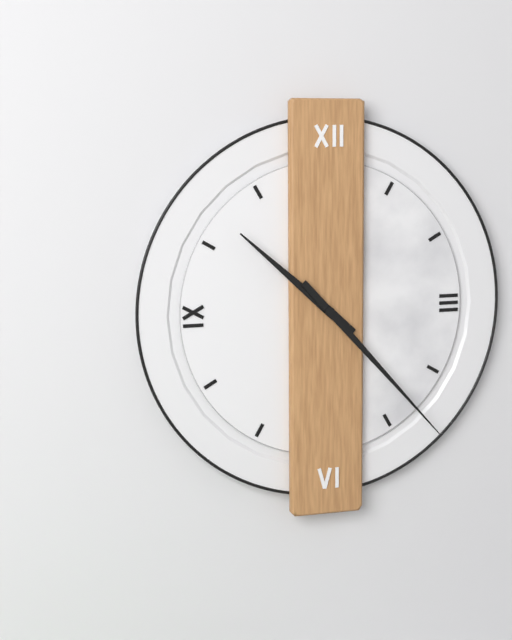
10h23
